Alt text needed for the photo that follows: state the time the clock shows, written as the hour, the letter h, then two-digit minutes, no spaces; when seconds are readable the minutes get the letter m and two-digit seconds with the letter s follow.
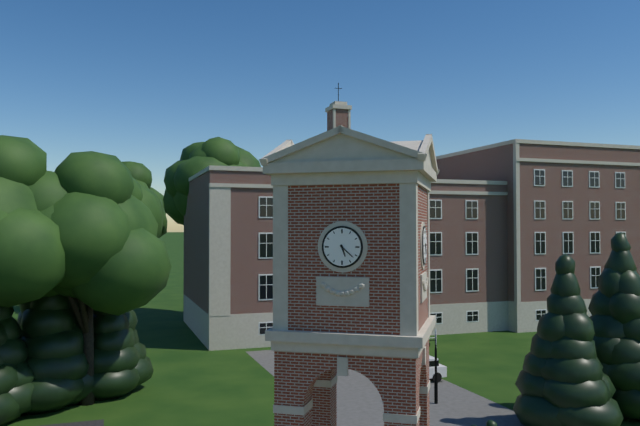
5h22
